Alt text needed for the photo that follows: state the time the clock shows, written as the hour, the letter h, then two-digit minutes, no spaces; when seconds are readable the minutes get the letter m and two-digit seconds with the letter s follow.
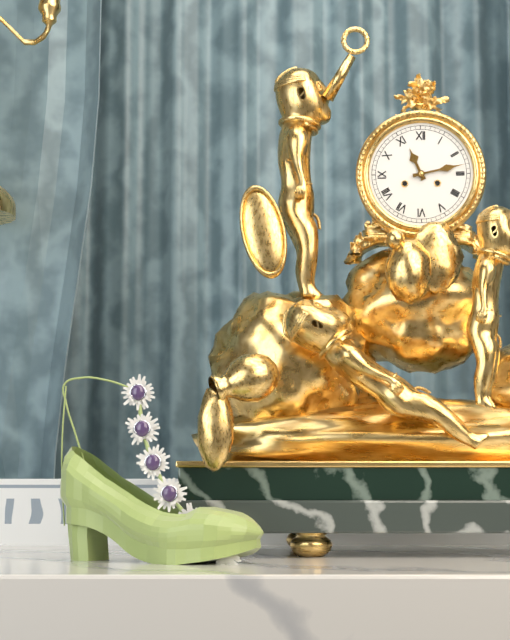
11h13
